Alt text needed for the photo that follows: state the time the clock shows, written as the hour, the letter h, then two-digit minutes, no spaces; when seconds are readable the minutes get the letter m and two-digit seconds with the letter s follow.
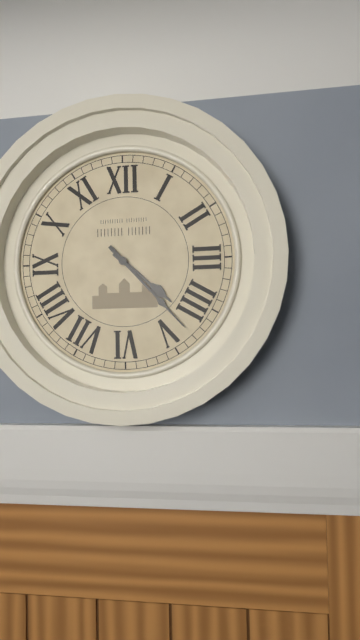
4h23
